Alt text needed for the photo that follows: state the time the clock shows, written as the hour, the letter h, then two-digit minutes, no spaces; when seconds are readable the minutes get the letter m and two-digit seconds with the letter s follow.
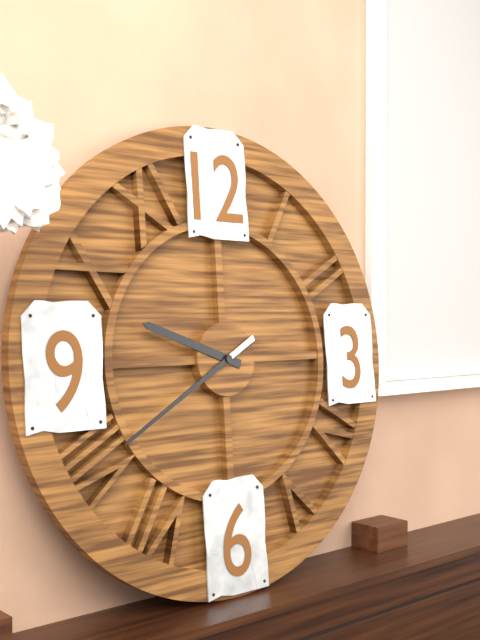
9h40
